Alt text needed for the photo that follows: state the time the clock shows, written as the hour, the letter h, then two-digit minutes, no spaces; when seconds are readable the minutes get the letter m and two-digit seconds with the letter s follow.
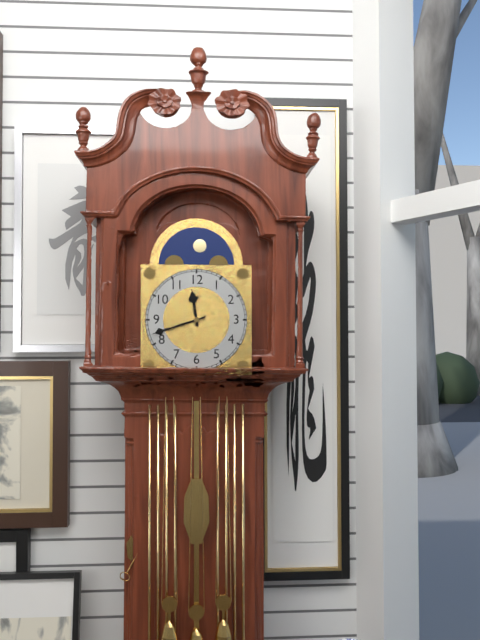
11h42
